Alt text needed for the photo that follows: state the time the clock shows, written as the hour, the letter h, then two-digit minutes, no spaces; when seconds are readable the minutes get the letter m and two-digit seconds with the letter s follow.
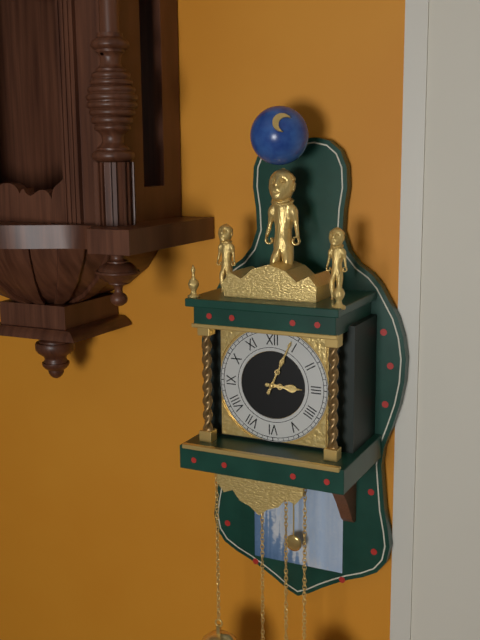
3h04
